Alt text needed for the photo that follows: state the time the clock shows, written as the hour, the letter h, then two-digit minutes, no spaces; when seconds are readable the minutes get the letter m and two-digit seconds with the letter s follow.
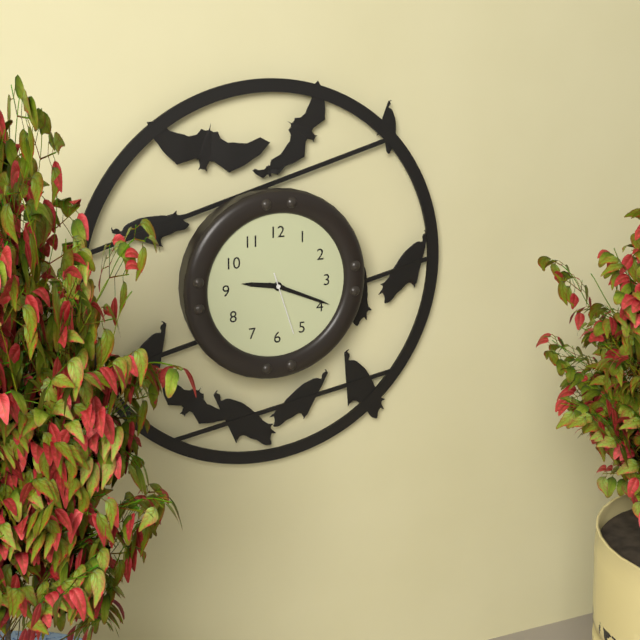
9h19m27s
